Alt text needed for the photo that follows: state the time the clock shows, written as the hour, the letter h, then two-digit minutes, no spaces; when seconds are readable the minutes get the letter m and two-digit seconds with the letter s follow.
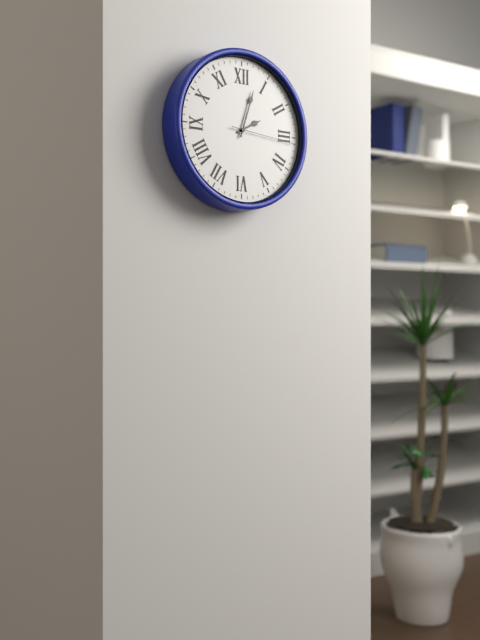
2h03m16s
